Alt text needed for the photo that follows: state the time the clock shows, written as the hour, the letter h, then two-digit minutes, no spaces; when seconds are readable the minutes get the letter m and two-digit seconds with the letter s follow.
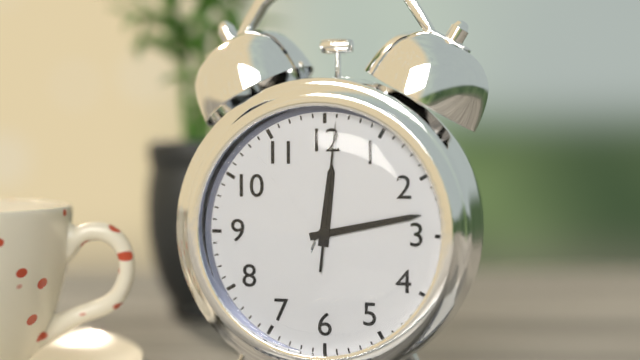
12h13m01s
